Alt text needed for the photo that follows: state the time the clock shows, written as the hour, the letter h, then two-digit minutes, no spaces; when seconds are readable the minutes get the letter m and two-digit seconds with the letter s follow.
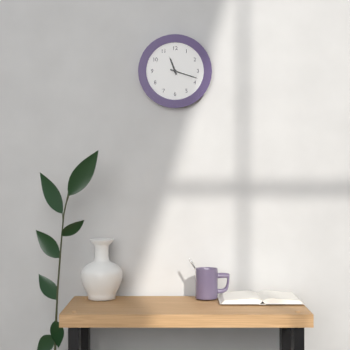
11h18
